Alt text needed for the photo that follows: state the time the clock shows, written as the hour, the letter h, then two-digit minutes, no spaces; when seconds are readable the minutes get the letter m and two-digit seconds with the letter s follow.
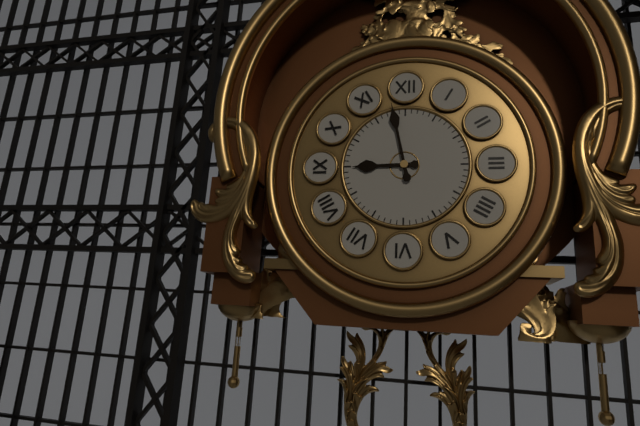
8h58
